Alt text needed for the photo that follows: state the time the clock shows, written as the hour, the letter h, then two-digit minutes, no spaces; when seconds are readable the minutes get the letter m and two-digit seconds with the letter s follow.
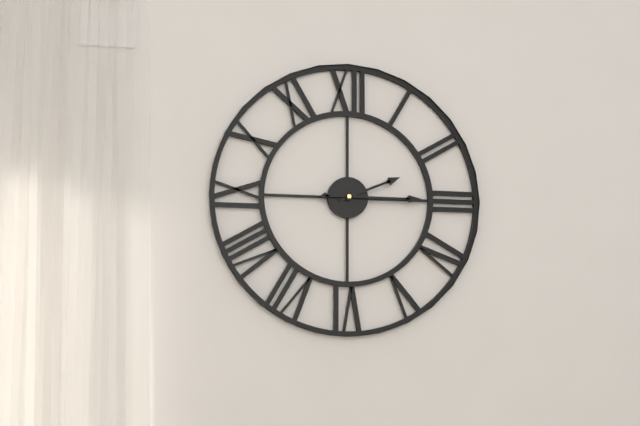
2h15
